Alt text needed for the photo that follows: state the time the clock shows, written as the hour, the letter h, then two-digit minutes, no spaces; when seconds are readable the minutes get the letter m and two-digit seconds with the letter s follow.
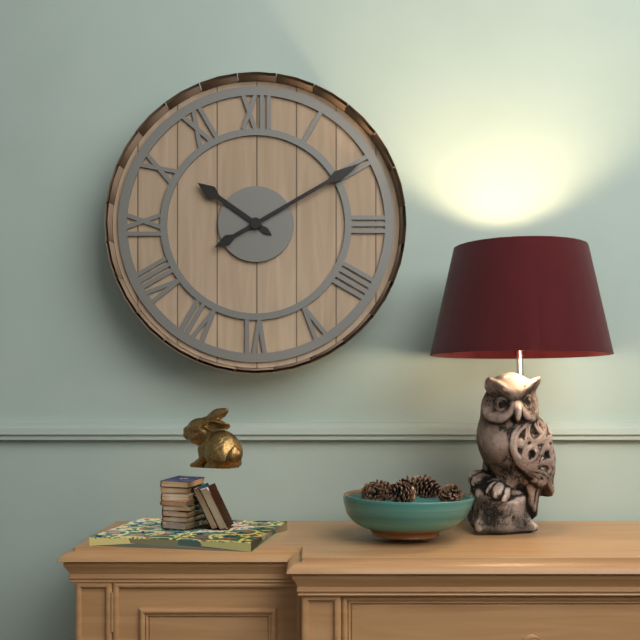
10h10
